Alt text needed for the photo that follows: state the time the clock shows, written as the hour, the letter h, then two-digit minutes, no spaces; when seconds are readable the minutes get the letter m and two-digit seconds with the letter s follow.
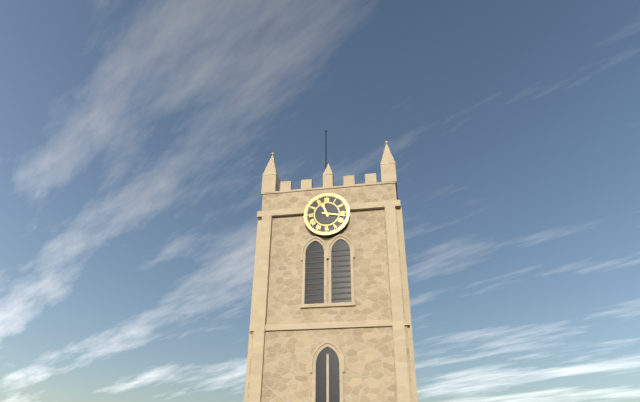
11h17
